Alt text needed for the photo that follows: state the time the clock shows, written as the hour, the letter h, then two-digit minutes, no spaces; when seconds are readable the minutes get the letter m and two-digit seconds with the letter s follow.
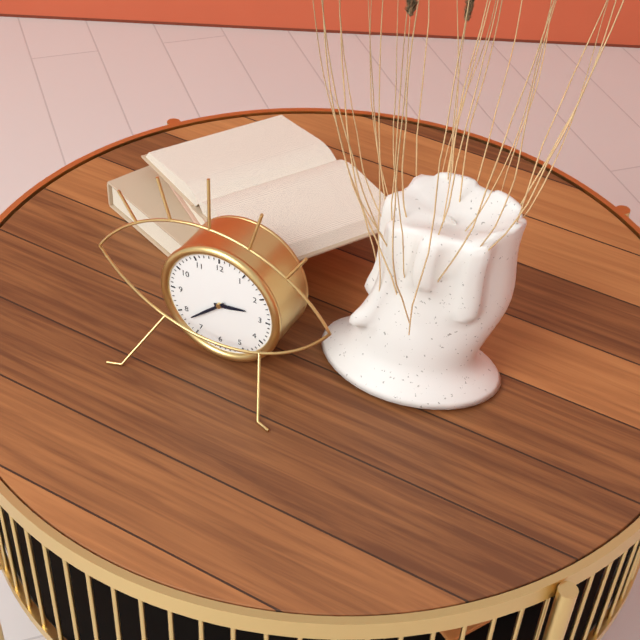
2h38
